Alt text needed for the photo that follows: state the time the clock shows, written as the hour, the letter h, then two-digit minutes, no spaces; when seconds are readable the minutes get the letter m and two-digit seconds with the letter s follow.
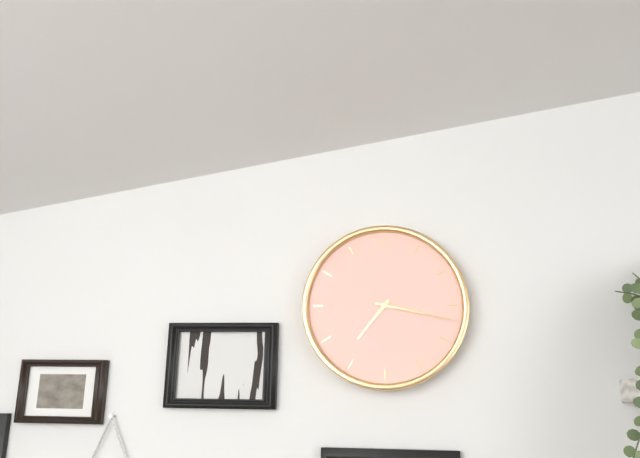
7h17
